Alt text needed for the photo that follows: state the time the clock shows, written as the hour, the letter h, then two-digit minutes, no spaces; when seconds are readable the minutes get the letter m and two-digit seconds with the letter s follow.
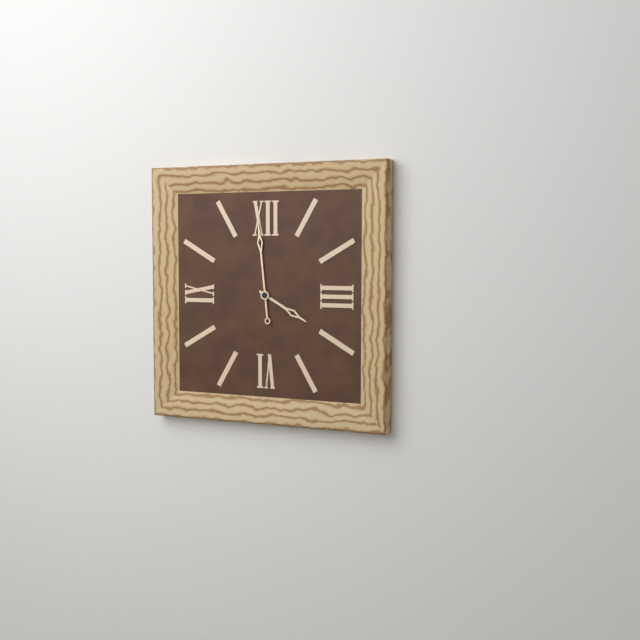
3h59
